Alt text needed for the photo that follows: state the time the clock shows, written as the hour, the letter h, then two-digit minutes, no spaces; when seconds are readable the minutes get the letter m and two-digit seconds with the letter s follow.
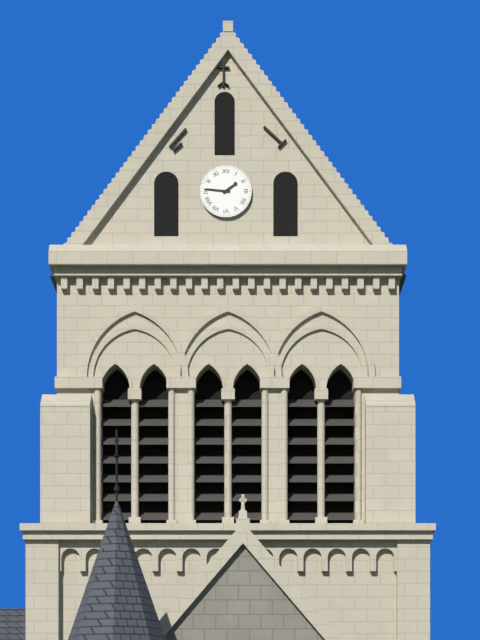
1h46
